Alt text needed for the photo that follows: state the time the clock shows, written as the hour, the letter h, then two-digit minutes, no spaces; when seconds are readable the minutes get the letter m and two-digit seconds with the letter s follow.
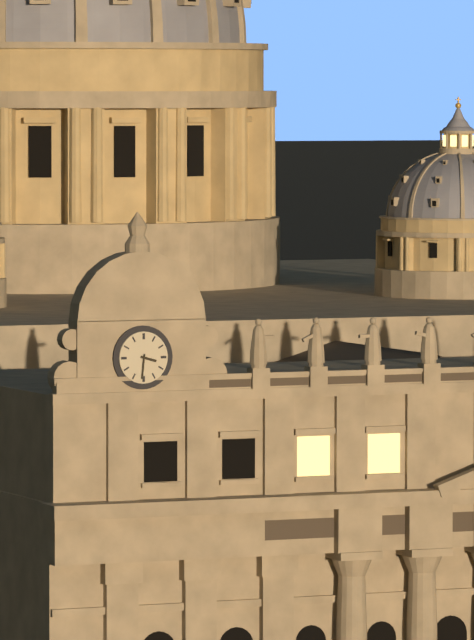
3h31
